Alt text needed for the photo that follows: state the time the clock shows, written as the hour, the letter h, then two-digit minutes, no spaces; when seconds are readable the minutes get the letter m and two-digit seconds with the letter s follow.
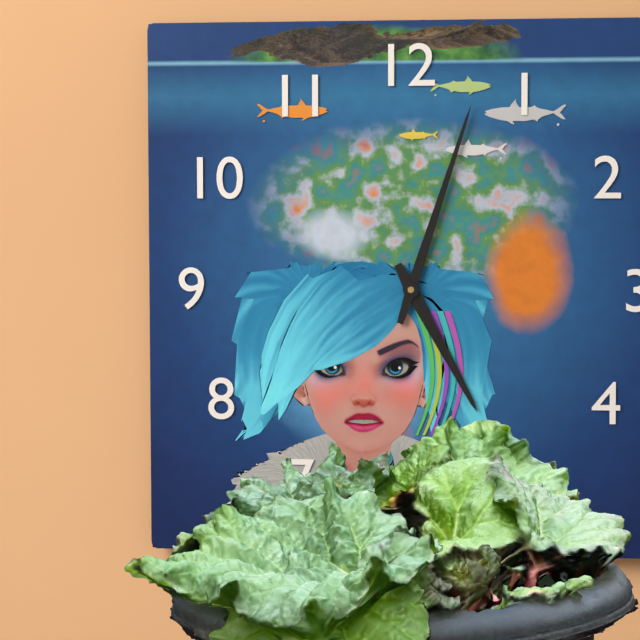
5h03
